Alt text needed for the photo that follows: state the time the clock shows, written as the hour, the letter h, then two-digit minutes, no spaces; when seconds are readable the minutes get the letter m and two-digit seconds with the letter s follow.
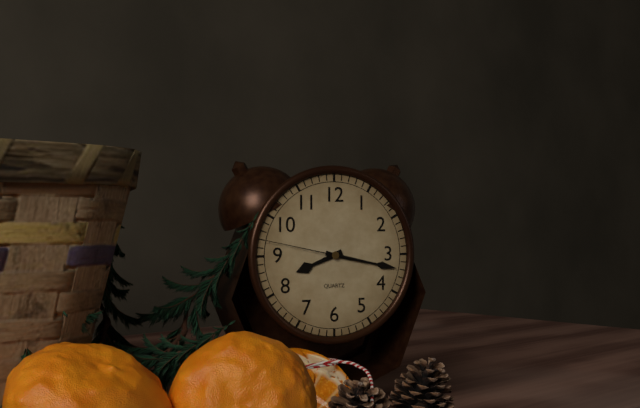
8h17m47s
